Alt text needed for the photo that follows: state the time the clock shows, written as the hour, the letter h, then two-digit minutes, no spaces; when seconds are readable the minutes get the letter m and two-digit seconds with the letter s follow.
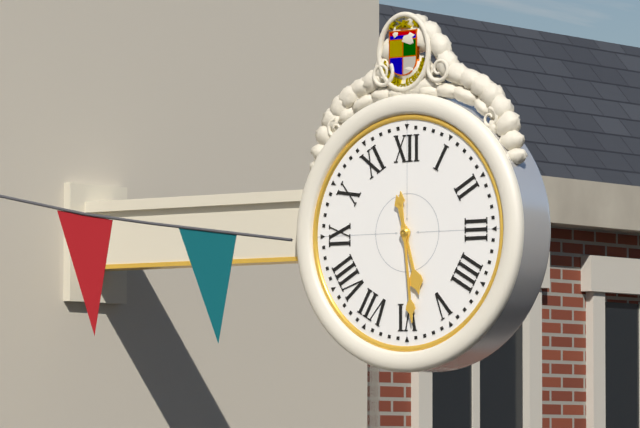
5h29
